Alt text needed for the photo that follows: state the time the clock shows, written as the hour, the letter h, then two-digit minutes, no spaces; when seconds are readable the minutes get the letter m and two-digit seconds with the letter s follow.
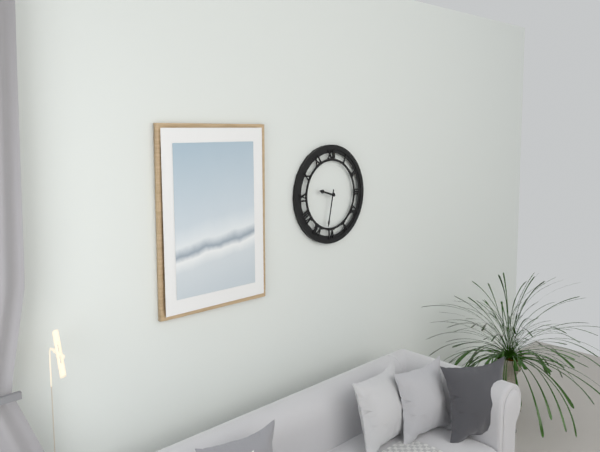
9h32
